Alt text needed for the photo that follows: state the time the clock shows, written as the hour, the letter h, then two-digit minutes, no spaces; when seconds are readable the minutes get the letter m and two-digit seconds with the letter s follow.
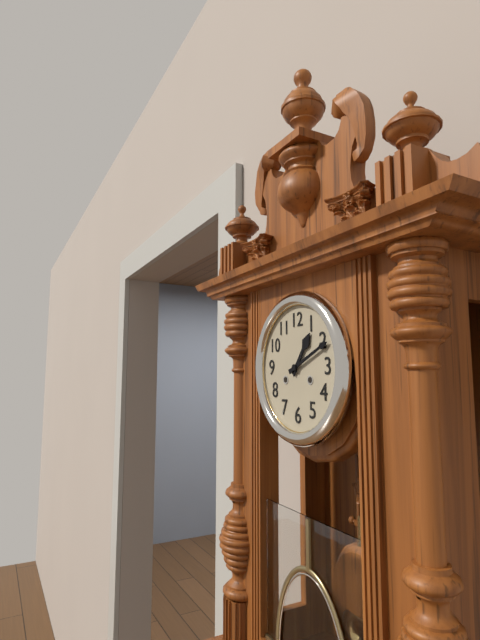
1h11
